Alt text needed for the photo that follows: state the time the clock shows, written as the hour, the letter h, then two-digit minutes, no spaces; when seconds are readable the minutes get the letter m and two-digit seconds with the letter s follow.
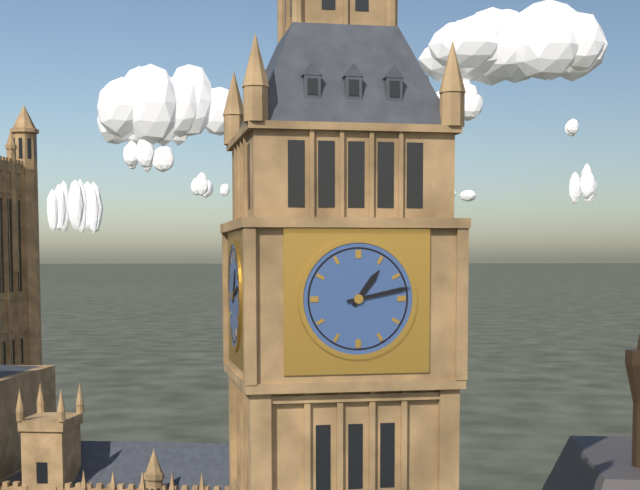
1h13
